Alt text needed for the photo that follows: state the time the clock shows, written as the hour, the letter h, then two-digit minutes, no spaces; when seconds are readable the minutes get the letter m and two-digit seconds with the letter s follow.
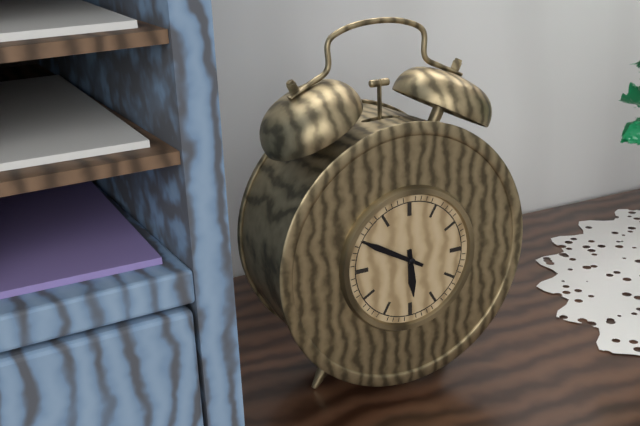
5h50
